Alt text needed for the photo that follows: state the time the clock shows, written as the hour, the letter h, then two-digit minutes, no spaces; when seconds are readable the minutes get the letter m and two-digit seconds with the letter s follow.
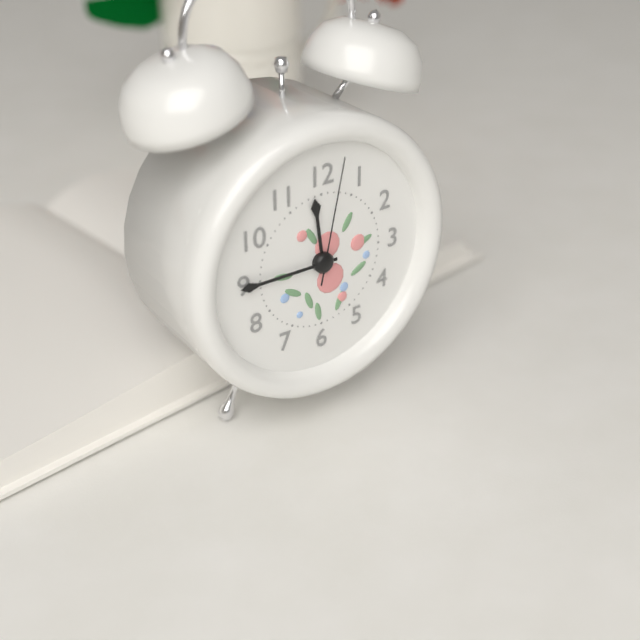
11h45m02s
